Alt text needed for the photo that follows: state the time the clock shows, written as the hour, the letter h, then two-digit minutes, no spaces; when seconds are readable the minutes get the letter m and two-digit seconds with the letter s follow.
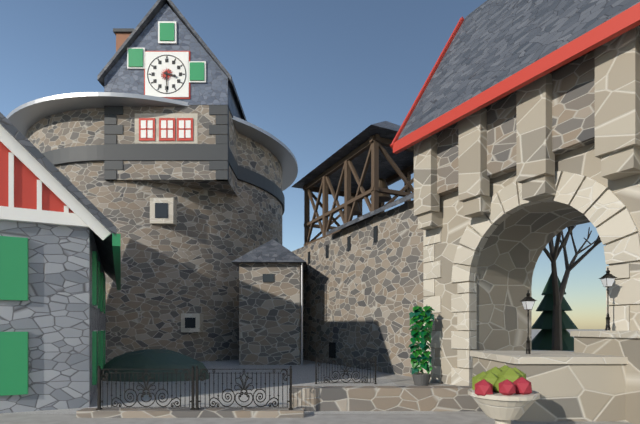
3h30
